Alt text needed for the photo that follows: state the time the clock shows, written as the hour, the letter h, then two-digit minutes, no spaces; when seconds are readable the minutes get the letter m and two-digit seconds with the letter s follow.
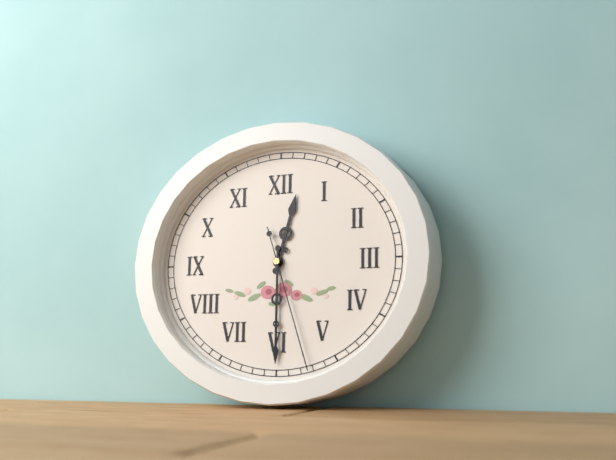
12h30m27s
